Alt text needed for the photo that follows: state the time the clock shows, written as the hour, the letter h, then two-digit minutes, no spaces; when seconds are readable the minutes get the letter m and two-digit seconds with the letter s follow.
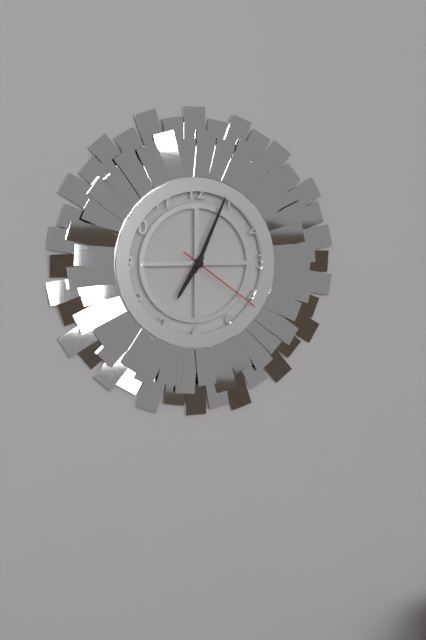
7h04m21s
